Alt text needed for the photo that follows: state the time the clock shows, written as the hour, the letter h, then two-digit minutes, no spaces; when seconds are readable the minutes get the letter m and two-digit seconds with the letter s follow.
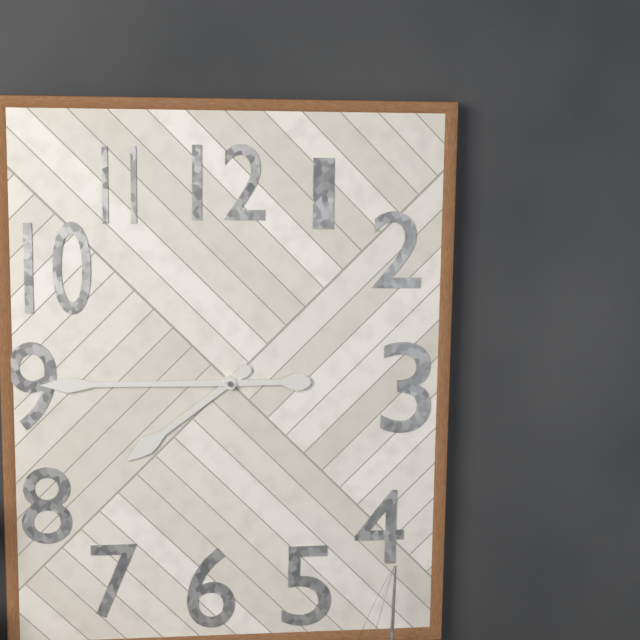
7h45
